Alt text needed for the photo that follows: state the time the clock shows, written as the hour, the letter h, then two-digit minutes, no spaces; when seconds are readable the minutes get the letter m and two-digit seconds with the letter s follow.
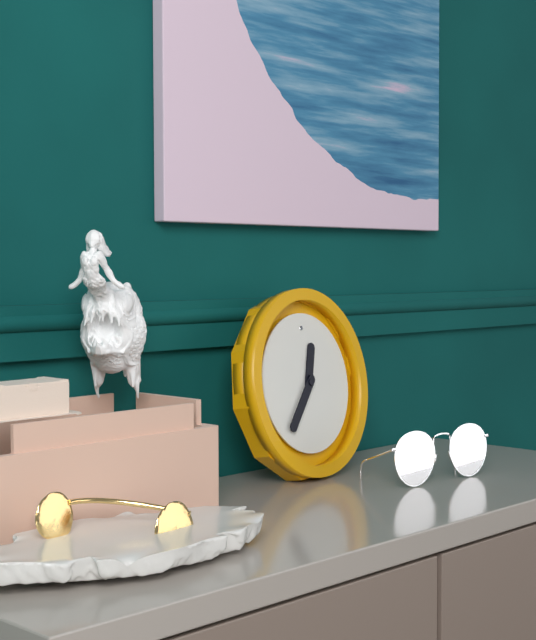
12h37
